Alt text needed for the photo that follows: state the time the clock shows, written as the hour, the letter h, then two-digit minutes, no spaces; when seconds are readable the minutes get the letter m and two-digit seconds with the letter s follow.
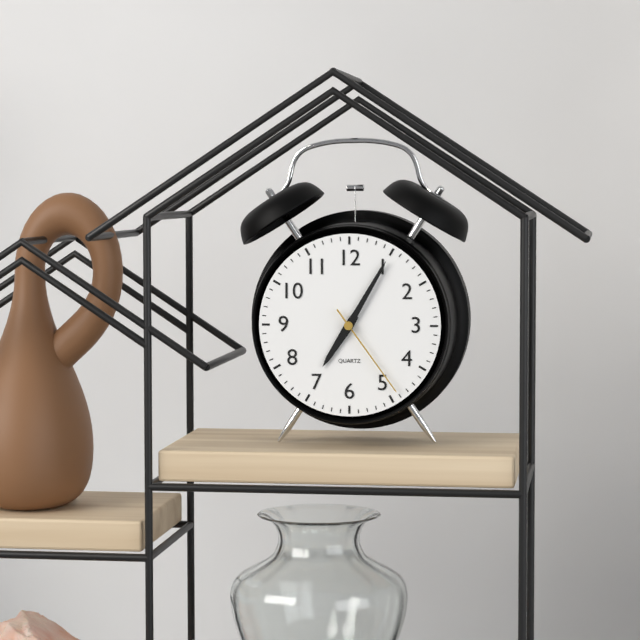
7h05m24s
